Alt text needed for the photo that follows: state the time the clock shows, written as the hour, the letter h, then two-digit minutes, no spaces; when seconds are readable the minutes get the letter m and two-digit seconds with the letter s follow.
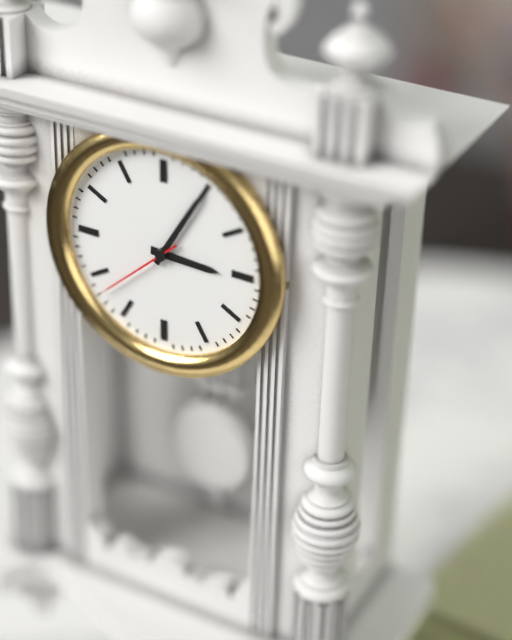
3h05m38s
